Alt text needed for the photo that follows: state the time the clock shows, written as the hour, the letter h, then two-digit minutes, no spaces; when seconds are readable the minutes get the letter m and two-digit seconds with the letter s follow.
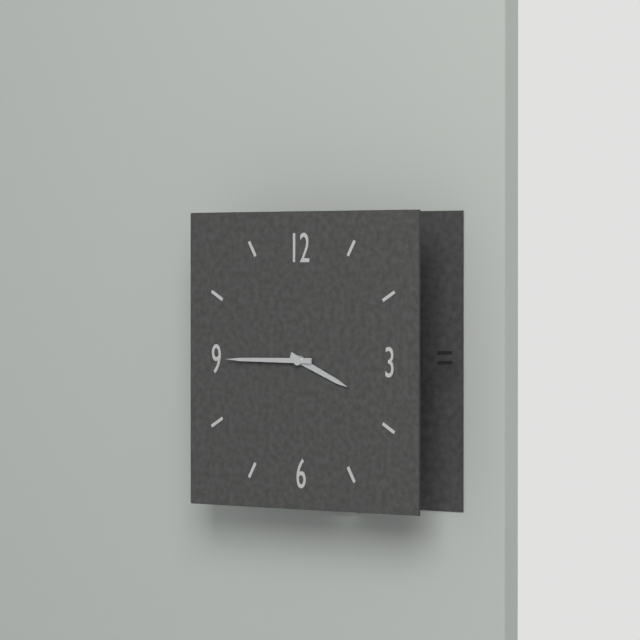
3h45
